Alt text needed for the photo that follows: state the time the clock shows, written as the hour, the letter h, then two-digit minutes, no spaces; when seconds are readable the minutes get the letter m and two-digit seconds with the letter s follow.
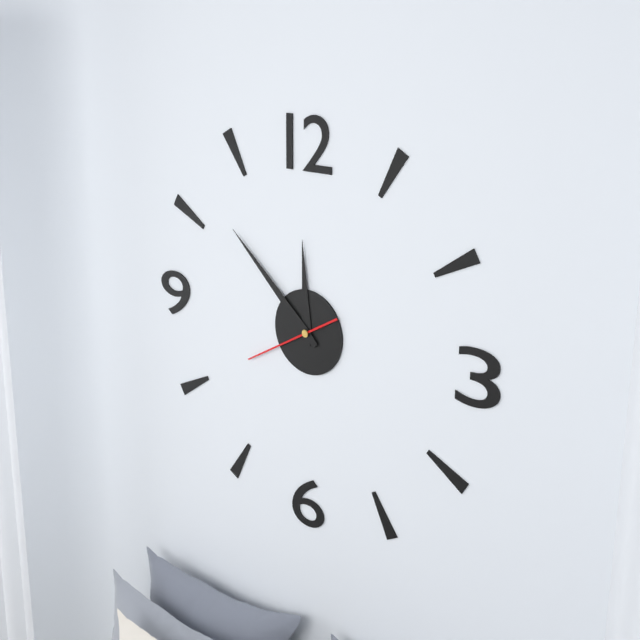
11h52m40s
